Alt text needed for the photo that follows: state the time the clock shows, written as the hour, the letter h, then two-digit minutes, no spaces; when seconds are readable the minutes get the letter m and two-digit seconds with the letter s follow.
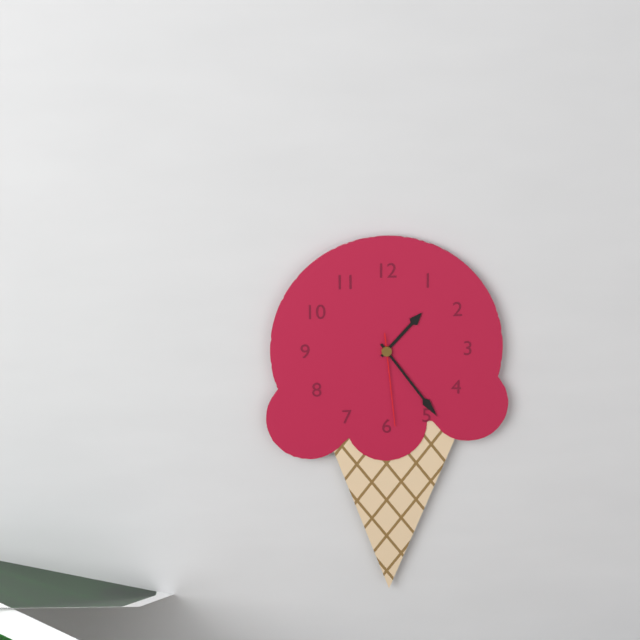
1h24m29s
